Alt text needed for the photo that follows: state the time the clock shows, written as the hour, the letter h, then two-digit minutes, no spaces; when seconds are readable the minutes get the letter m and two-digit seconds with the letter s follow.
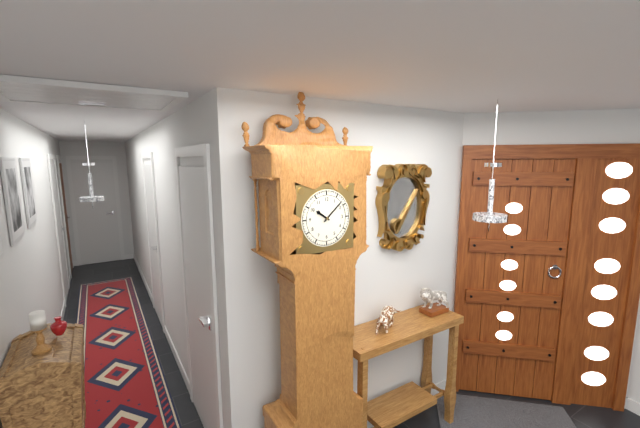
10h08
